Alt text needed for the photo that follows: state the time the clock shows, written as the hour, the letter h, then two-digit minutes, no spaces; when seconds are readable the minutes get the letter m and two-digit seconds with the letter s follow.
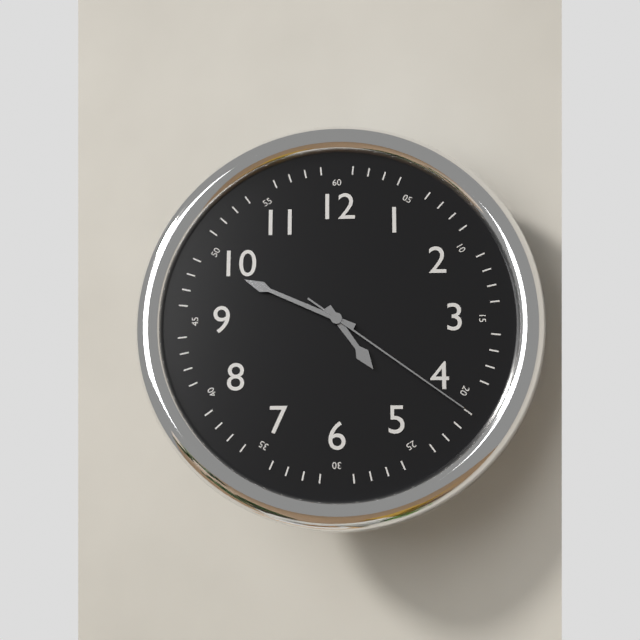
4h49m21s
